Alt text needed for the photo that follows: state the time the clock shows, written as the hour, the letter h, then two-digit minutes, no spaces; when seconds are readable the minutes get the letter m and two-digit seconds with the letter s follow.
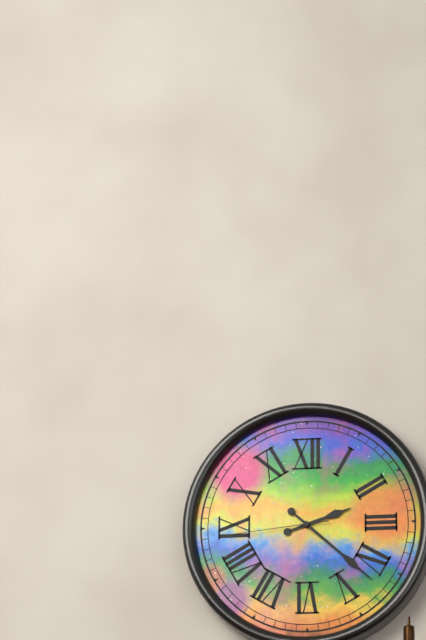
2h22m44s
